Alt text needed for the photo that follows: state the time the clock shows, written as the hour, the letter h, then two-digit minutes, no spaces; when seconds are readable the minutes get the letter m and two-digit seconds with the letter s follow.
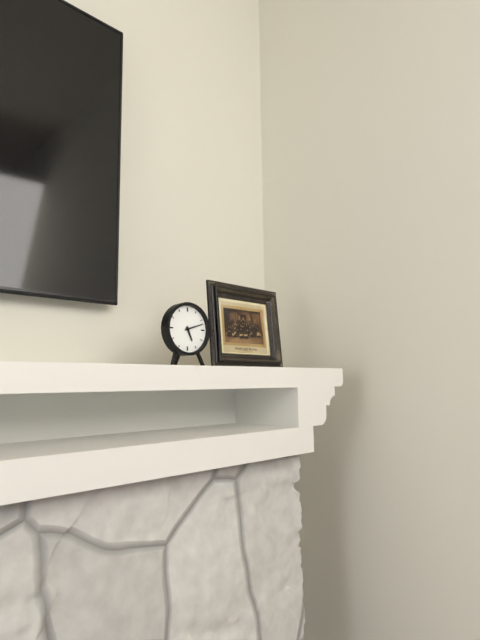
5h12
